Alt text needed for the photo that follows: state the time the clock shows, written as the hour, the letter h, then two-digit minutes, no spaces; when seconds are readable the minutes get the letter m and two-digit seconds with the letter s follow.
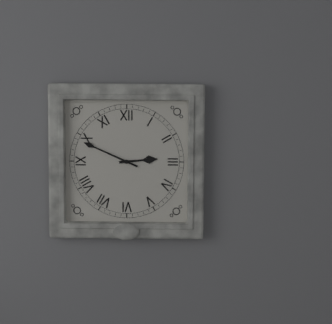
2h49
